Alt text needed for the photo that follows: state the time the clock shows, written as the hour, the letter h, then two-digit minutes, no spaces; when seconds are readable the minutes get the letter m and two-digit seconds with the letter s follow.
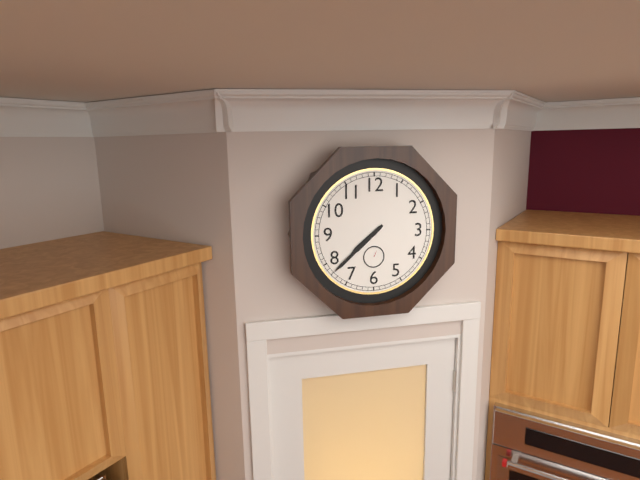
7h38
